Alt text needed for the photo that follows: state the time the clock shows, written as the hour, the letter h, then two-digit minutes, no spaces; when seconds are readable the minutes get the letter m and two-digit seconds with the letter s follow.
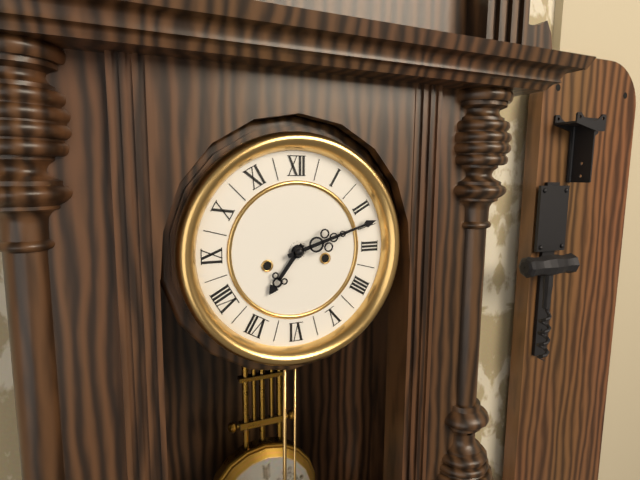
7h12
